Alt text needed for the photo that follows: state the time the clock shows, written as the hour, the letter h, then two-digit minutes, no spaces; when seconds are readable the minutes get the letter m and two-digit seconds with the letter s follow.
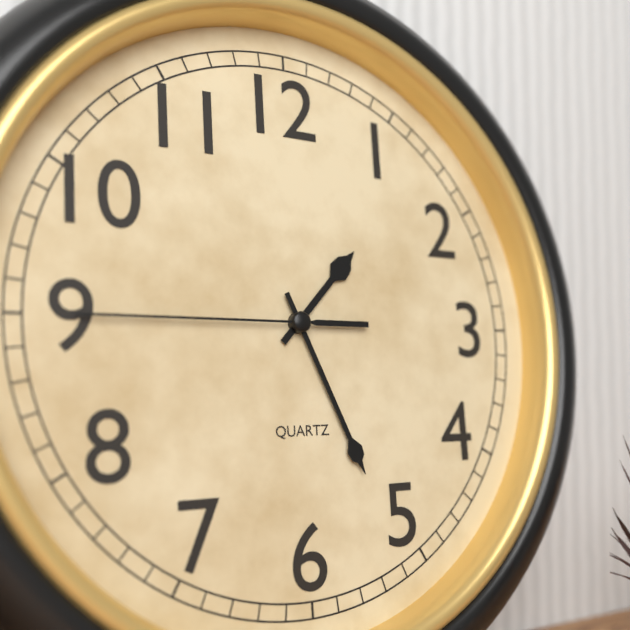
1h26m45s
